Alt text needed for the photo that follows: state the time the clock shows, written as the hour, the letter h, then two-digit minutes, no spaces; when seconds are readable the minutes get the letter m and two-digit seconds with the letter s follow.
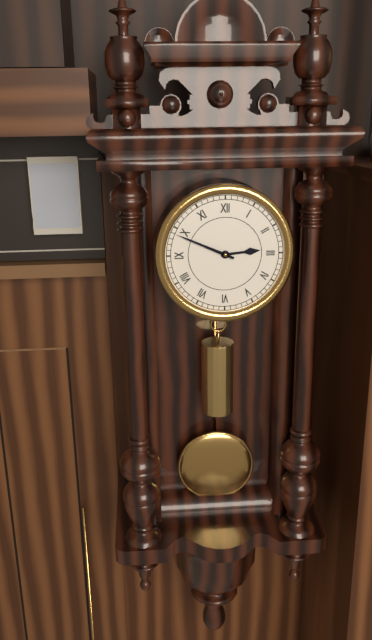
2h49
